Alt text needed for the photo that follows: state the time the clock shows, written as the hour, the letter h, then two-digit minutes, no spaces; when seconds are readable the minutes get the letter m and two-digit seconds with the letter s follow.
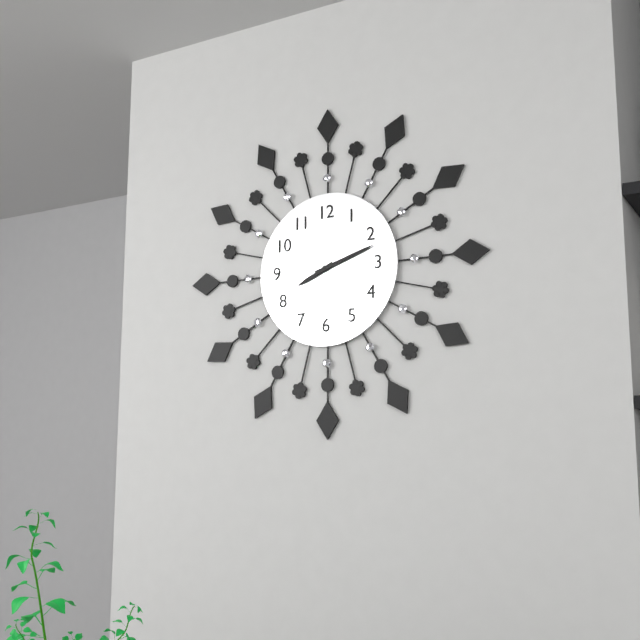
8h12
